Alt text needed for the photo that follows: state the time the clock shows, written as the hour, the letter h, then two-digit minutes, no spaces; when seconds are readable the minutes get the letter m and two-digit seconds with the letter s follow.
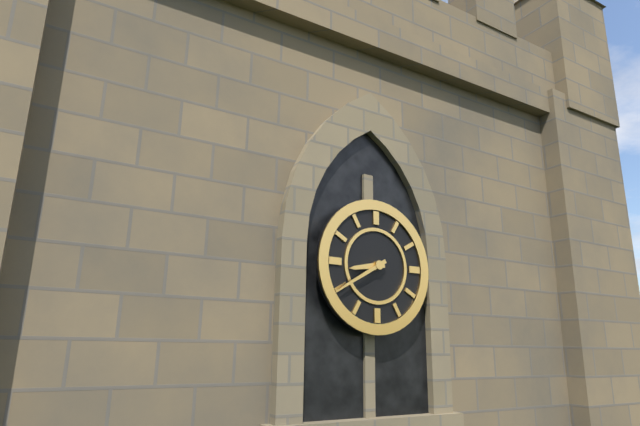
8h40
